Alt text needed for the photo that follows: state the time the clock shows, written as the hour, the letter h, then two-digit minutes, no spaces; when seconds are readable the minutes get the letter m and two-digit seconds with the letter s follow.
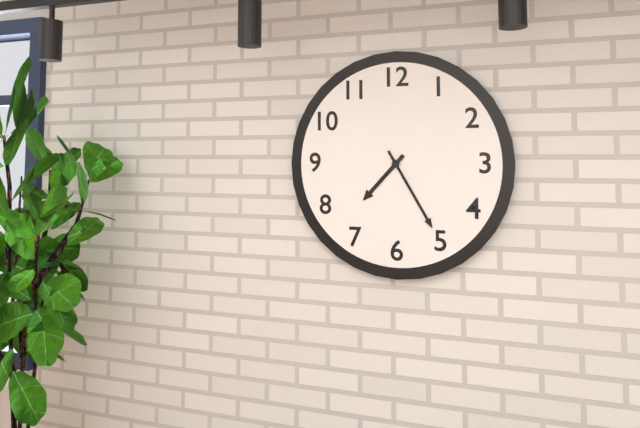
7h25
